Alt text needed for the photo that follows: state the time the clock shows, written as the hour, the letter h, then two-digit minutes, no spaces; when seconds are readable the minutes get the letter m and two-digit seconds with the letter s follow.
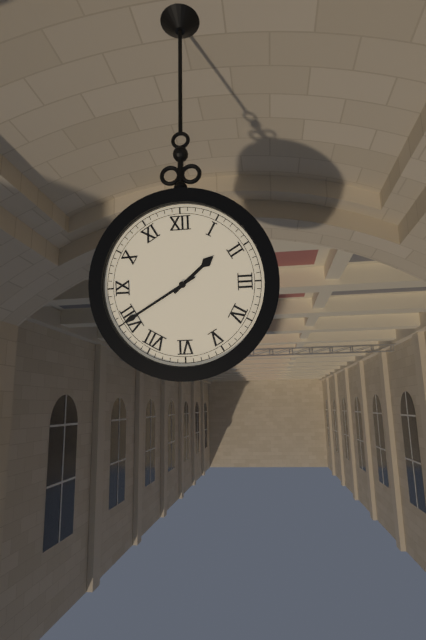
1h40
